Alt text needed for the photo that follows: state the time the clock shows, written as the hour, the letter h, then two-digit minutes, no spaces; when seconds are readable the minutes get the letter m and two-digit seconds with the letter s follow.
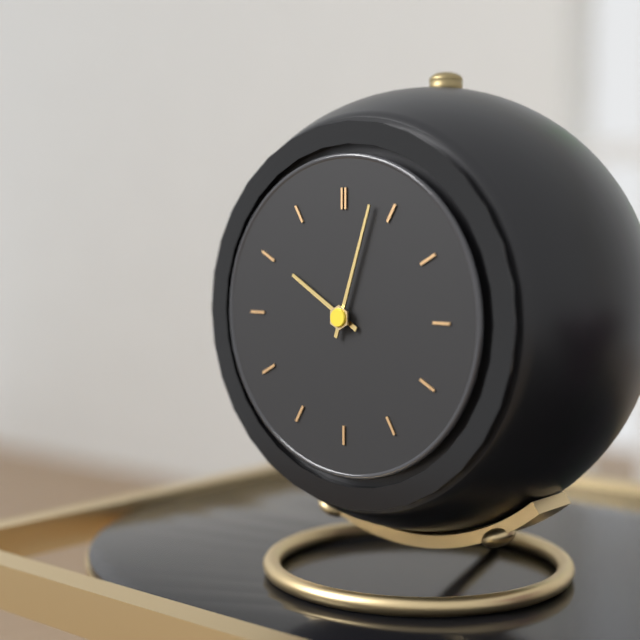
10h03
